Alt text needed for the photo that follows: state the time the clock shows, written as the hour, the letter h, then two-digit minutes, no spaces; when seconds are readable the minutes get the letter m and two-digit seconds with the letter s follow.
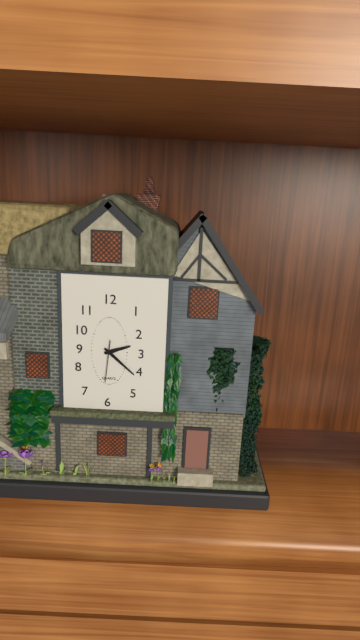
2h22
